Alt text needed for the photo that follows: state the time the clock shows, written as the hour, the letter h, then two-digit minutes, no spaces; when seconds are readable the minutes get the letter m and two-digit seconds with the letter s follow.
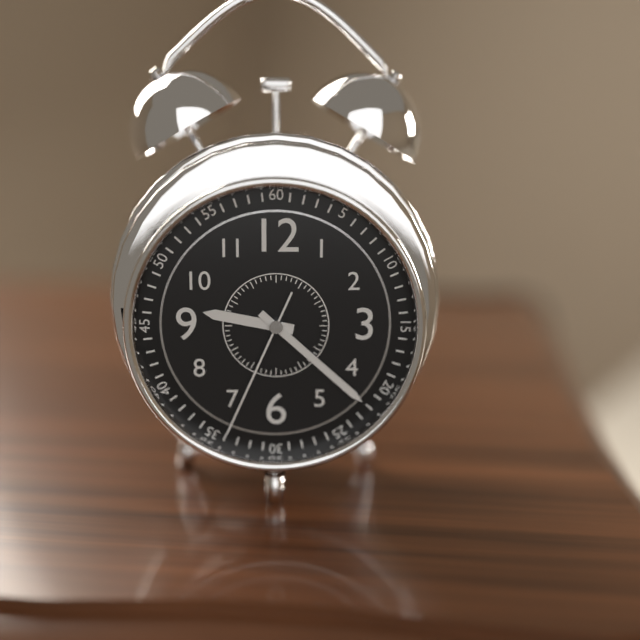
9h22m34s
